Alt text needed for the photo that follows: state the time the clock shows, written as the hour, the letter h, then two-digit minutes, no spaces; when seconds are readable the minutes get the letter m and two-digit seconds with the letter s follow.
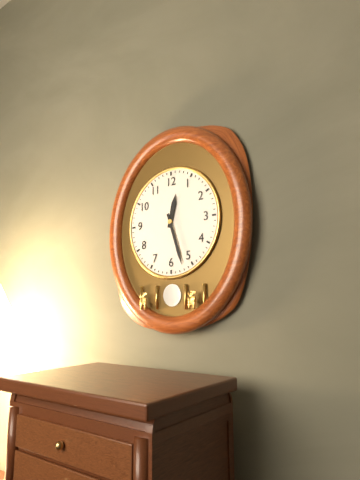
12h27
